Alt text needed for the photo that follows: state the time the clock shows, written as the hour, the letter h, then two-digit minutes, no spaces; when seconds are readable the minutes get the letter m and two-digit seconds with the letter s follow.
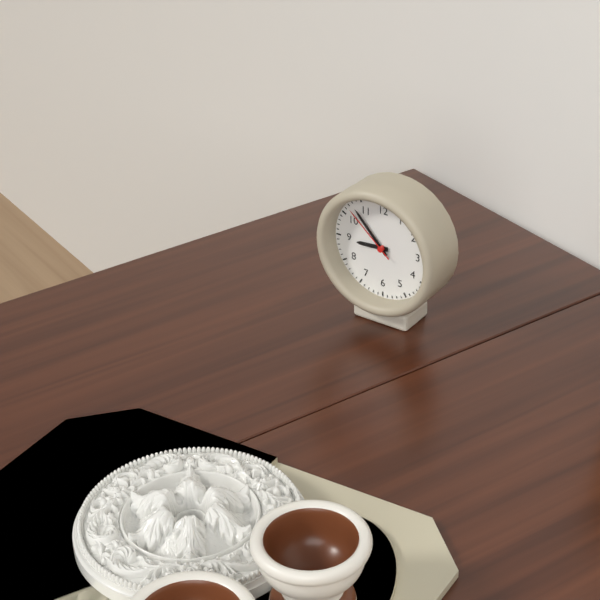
8h53m52s
